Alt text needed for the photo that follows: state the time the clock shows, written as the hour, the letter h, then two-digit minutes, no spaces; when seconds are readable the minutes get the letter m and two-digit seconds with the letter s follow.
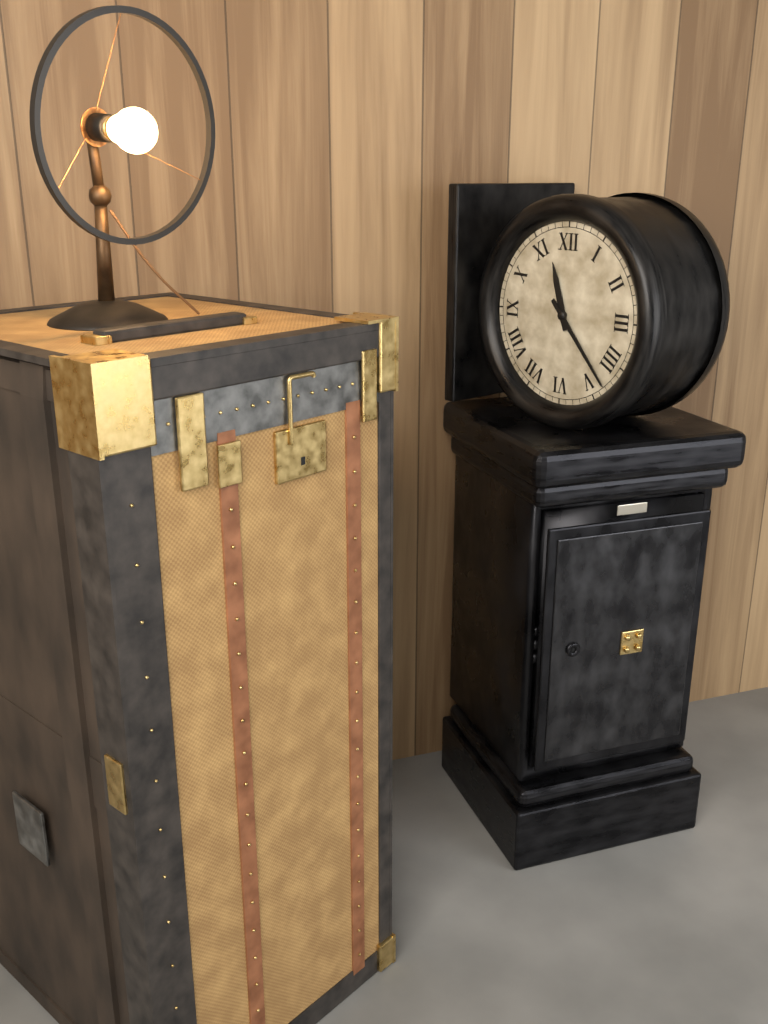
11h23
